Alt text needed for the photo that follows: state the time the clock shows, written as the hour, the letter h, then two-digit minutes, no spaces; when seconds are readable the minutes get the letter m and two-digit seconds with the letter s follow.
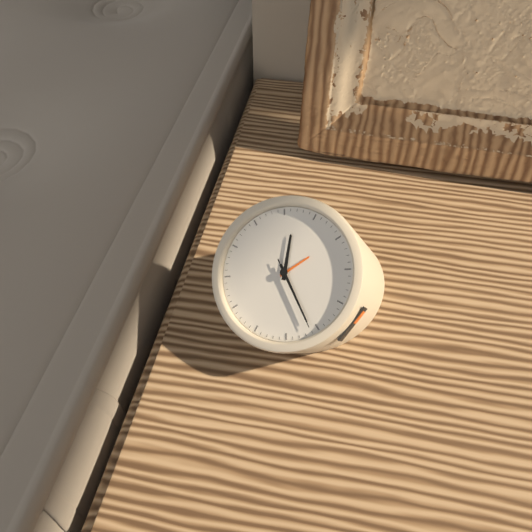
11h21m21s
